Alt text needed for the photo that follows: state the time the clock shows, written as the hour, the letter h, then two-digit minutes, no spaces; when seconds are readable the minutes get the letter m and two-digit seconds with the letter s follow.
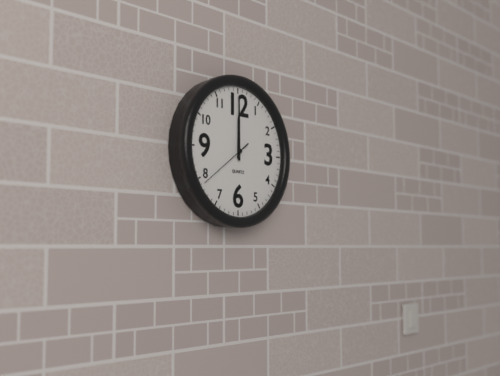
12h00m39s
